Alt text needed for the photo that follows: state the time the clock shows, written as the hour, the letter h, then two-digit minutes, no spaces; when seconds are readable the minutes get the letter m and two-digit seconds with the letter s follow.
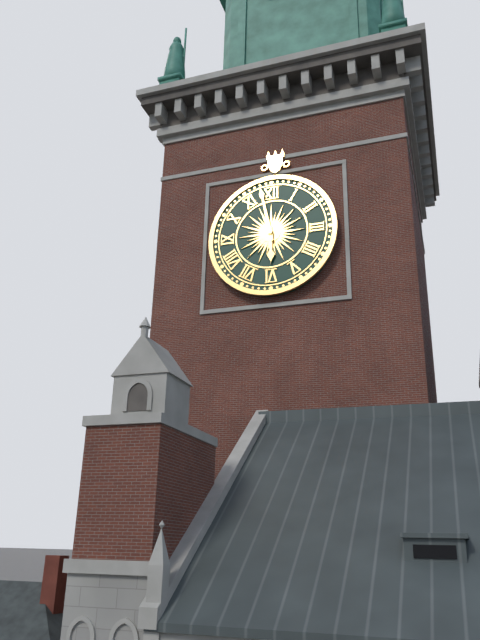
5h58
